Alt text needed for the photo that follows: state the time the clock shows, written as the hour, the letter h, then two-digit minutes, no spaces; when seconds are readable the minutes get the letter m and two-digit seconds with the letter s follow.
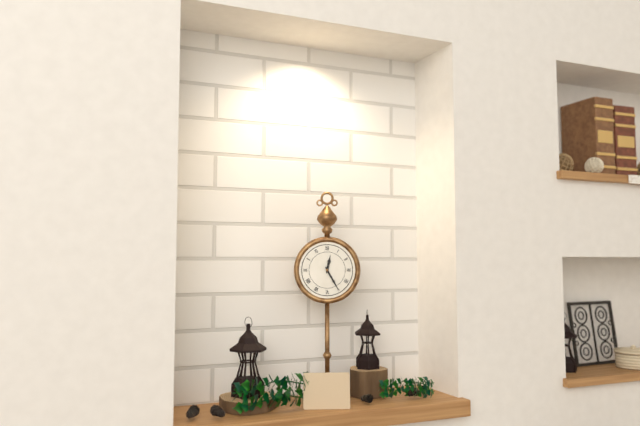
12h25
